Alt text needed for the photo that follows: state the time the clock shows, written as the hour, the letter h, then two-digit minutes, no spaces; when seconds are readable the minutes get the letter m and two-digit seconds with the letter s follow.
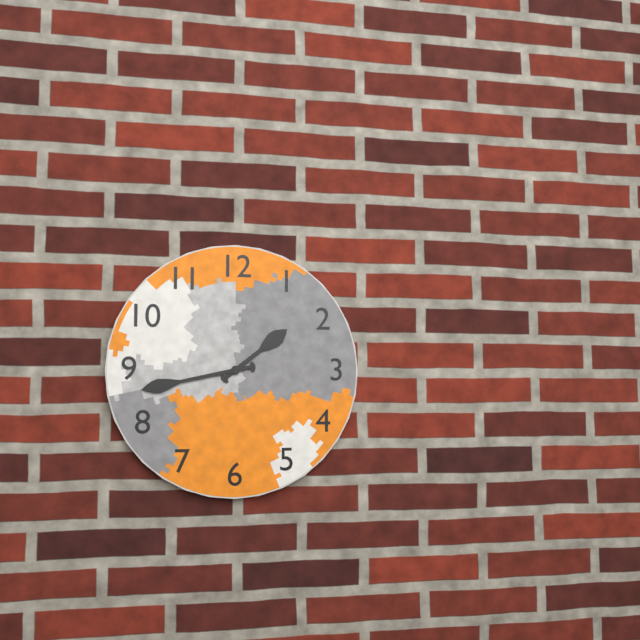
1h43
